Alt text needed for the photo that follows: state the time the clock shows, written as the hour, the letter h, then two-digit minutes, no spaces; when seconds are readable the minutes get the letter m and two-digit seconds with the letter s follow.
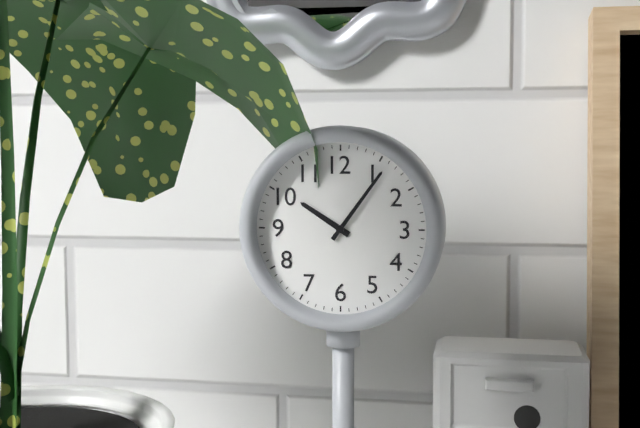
10h06
